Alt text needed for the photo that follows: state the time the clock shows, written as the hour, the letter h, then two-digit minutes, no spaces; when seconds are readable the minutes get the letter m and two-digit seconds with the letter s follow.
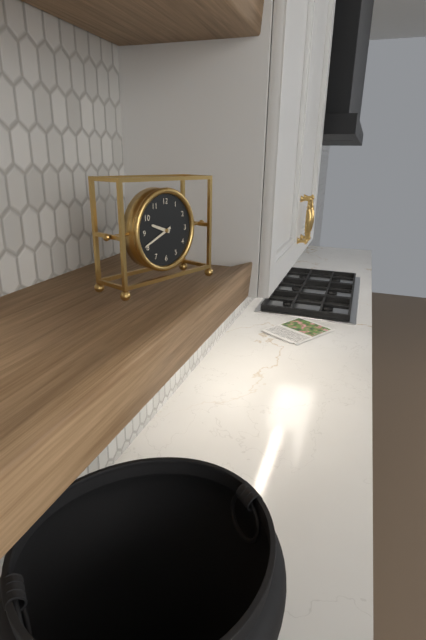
9h41
